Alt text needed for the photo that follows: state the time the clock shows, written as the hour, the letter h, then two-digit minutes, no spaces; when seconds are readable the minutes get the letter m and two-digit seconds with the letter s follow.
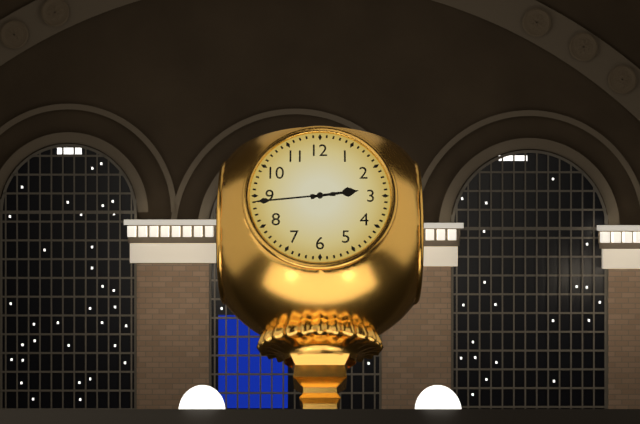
2h44
